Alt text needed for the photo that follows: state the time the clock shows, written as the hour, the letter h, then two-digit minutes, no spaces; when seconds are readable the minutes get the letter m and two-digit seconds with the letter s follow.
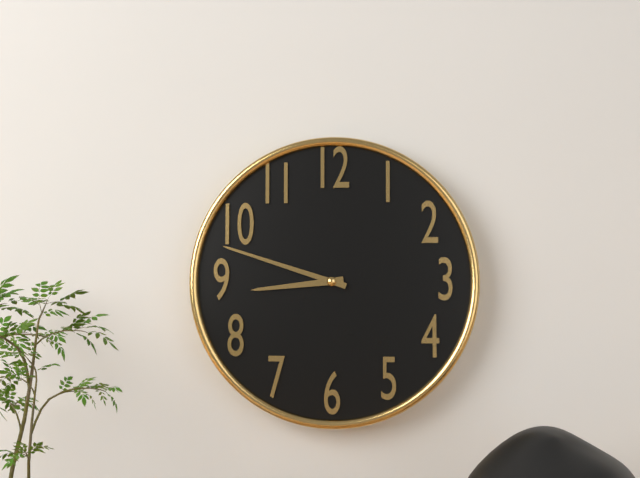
8h48
